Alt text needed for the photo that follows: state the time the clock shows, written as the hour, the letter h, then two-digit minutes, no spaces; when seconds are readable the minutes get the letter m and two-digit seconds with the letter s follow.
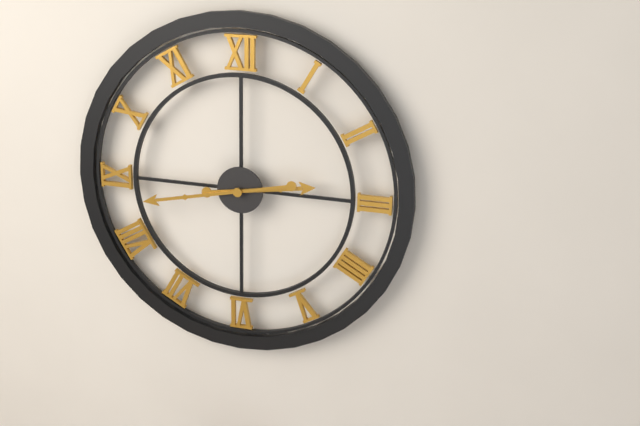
2h43
